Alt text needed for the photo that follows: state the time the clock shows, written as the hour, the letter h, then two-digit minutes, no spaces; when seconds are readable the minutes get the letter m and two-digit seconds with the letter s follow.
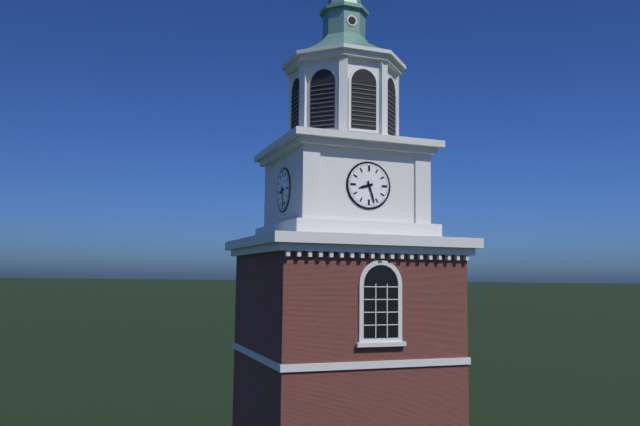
8h27
